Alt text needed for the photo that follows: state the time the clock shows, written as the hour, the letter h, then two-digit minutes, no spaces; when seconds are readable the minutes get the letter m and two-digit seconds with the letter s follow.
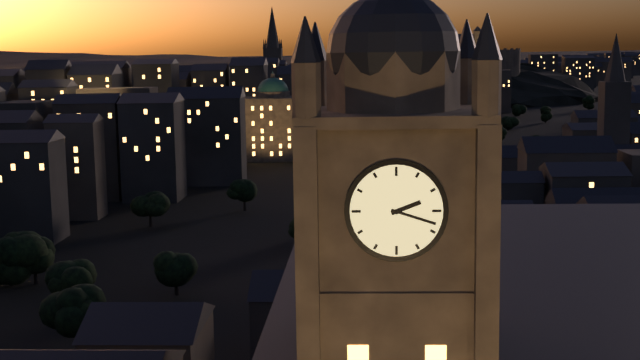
2h18
